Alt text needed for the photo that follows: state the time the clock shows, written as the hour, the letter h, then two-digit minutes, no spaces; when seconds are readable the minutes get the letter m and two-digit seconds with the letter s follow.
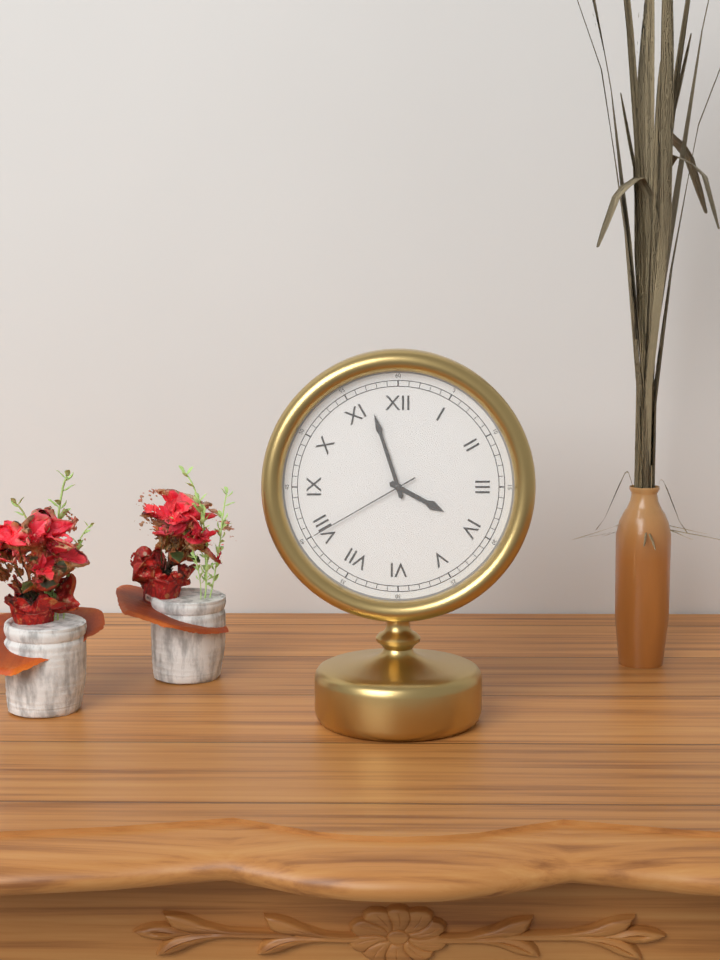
3h57m40s
